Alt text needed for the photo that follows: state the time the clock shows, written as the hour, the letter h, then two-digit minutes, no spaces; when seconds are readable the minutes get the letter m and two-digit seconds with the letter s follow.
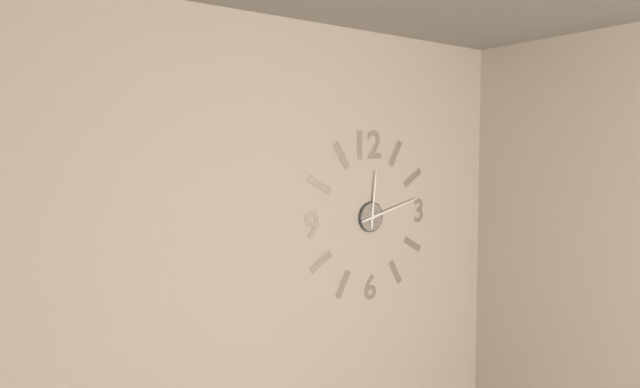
12h13
